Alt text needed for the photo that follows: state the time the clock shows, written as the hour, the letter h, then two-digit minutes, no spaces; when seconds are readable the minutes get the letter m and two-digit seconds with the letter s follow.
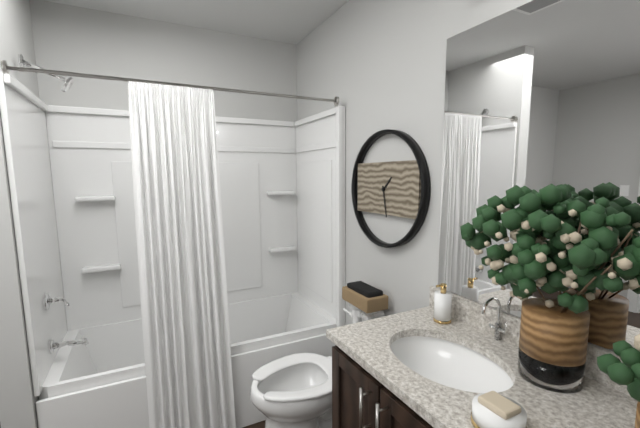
1h28
